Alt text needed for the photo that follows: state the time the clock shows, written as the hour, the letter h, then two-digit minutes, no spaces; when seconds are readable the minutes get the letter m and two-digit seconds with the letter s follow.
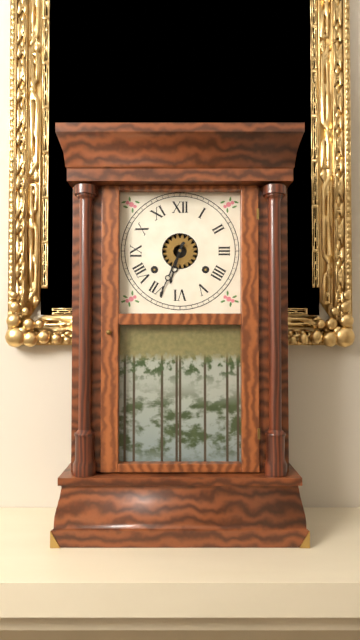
6h34
